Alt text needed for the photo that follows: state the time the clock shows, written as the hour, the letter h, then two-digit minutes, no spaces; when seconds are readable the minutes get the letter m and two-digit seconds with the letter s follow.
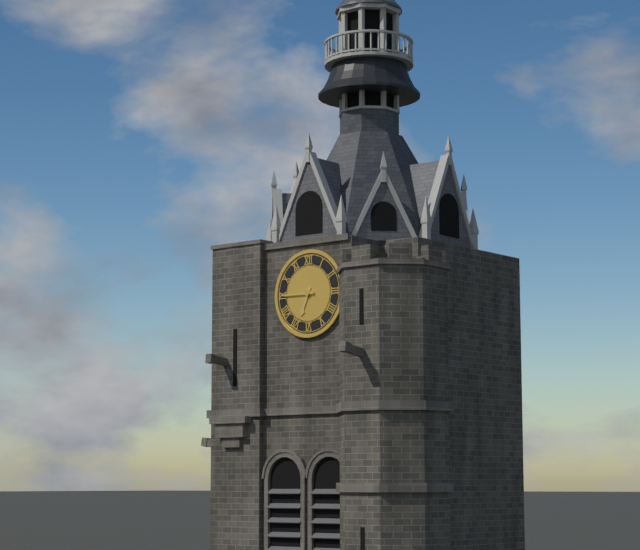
6h45
